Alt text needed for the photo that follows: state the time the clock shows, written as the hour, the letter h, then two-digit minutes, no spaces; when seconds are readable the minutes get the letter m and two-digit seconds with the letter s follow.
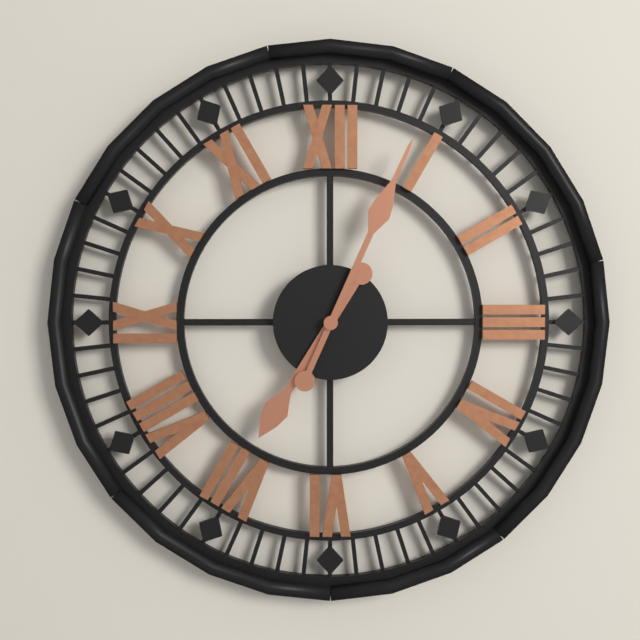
7h04
